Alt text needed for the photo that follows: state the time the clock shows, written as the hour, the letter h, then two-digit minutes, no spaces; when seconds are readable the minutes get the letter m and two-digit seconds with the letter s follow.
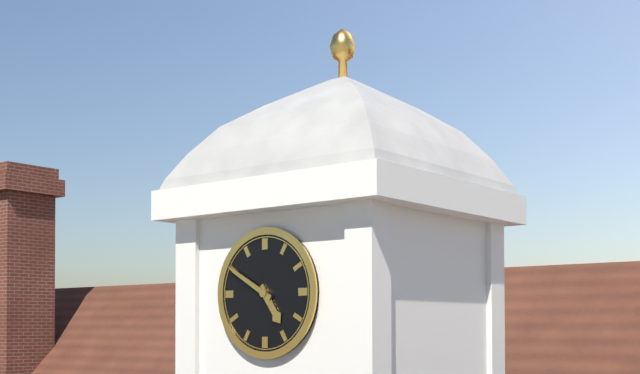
4h50
